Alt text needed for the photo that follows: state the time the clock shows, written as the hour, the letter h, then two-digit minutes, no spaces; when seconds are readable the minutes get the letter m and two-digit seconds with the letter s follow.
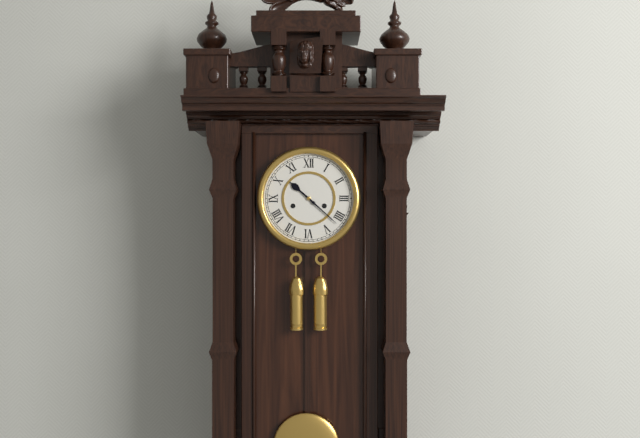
10h22
